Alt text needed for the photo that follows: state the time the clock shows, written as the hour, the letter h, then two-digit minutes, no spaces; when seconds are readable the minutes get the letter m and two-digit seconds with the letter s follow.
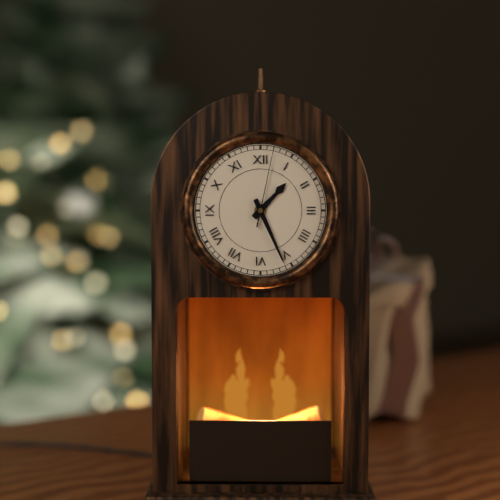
1h26m02s
